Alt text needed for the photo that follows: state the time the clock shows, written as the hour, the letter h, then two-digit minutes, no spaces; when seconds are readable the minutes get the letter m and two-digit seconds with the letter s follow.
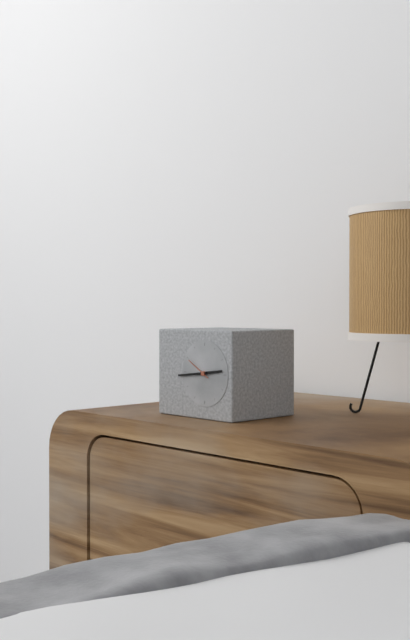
2h44
